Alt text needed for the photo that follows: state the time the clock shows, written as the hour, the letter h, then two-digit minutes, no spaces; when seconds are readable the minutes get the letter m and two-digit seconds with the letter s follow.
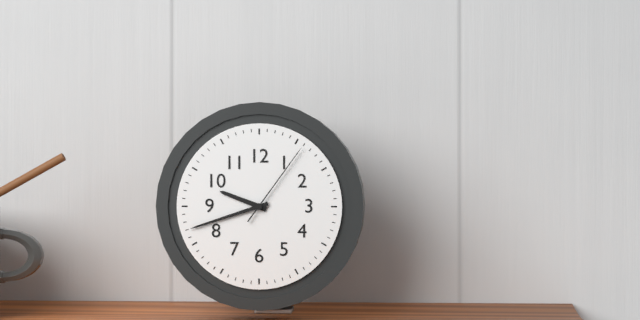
9h42m06s
